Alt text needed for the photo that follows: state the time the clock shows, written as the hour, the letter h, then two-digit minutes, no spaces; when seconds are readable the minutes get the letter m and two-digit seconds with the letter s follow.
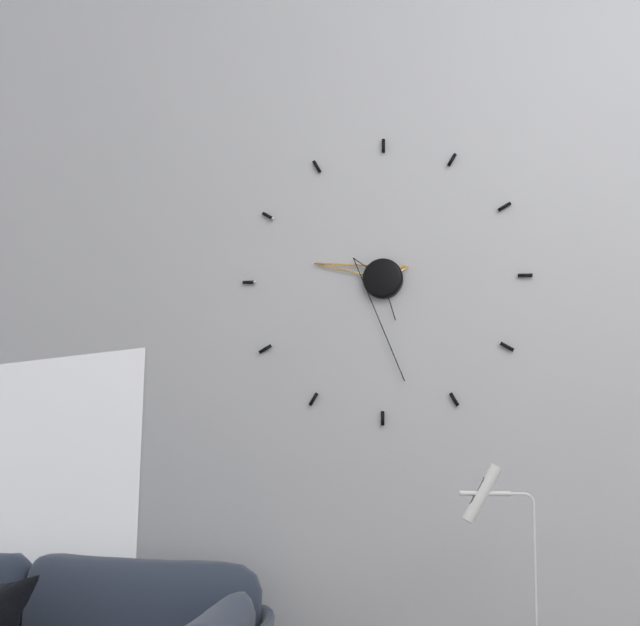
9h28
